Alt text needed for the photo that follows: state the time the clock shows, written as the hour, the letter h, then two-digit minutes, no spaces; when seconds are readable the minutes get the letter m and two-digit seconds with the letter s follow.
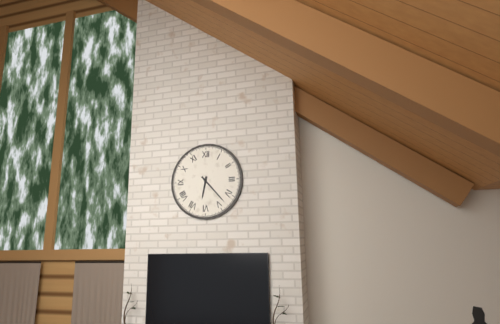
6h23
